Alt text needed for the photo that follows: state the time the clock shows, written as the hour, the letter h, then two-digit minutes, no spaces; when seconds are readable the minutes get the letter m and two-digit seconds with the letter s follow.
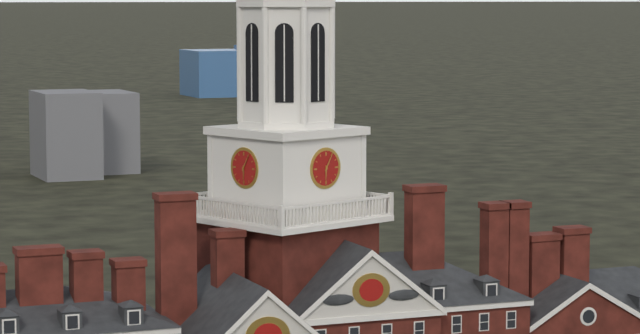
6h05
